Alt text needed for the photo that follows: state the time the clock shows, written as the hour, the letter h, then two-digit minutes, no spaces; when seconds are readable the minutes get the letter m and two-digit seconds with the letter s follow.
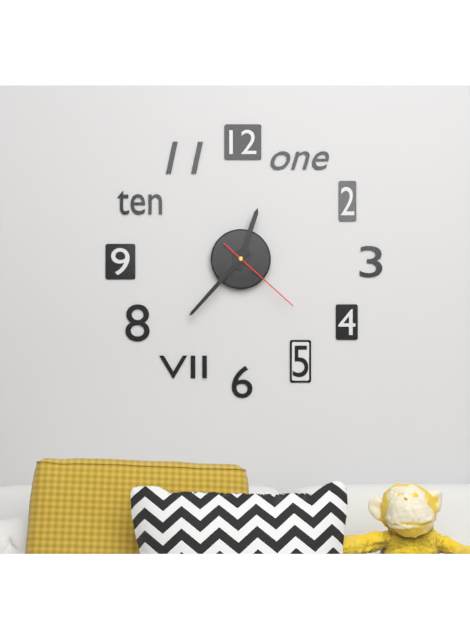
12h37m22s
